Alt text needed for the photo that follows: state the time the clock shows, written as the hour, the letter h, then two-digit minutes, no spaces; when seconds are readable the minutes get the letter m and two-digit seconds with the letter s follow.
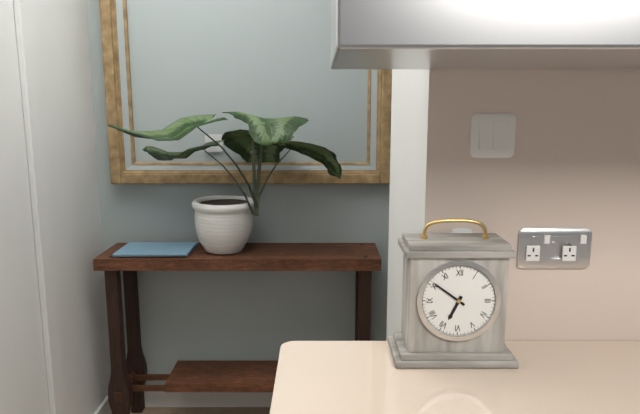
6h51
